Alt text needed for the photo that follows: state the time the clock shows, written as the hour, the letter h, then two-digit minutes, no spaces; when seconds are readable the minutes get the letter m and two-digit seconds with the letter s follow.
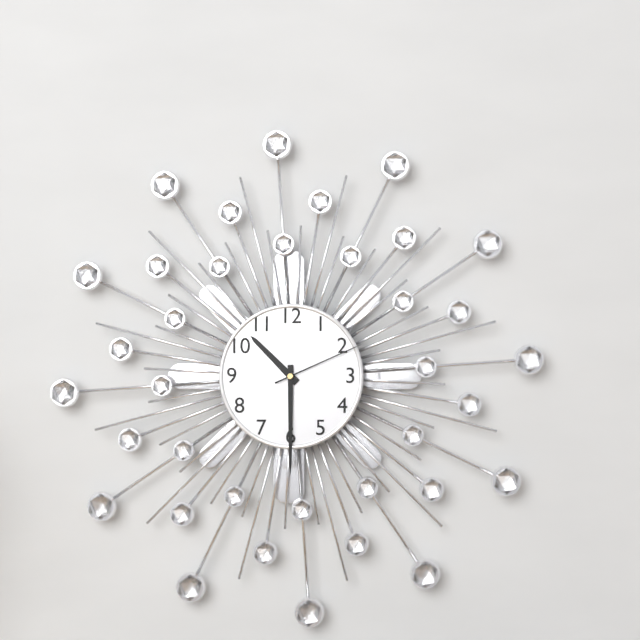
10h30m11s
